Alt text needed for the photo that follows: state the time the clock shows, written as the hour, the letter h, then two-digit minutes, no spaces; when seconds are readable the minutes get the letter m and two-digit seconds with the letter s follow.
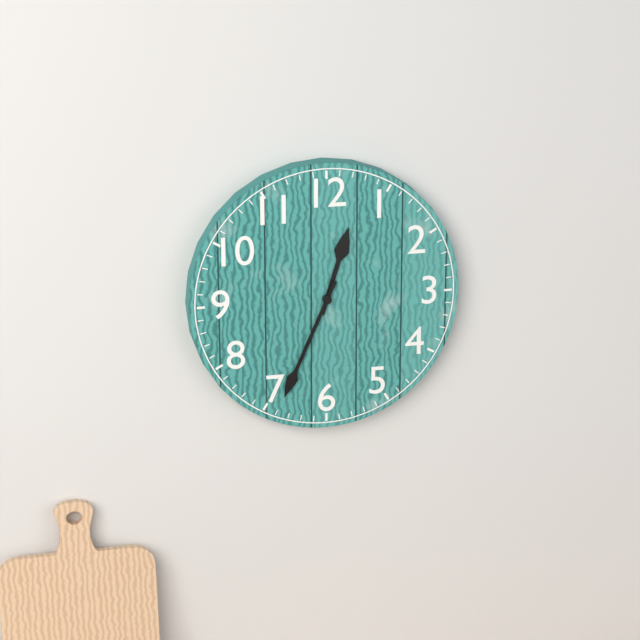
12h34
